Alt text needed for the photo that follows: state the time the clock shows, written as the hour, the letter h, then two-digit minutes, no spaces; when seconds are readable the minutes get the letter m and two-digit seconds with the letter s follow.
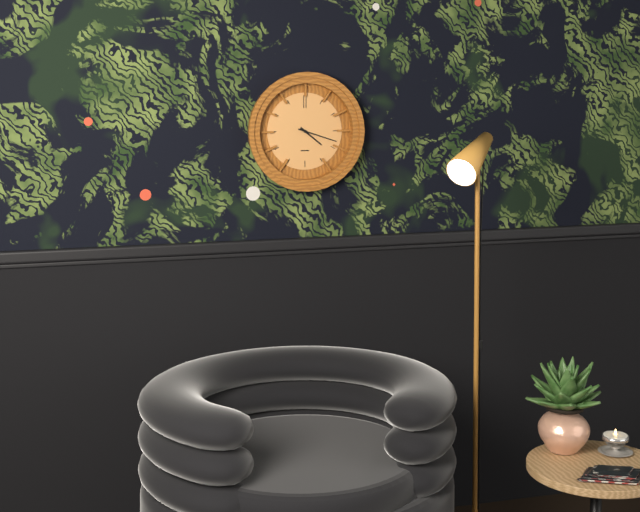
4h18
